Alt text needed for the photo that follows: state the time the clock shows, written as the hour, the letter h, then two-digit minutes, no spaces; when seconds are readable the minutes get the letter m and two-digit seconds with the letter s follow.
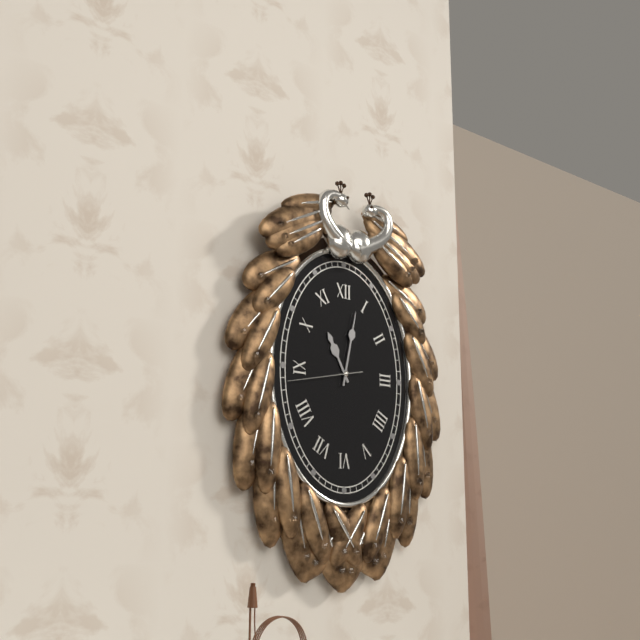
11h02m43s
